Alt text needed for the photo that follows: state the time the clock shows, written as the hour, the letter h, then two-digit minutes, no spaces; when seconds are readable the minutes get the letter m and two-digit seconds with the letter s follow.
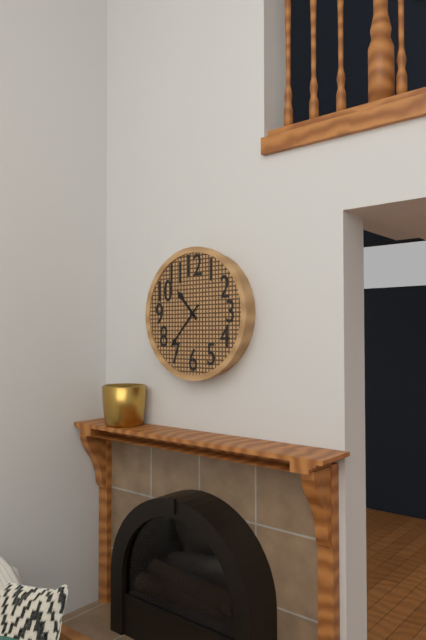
10h37
